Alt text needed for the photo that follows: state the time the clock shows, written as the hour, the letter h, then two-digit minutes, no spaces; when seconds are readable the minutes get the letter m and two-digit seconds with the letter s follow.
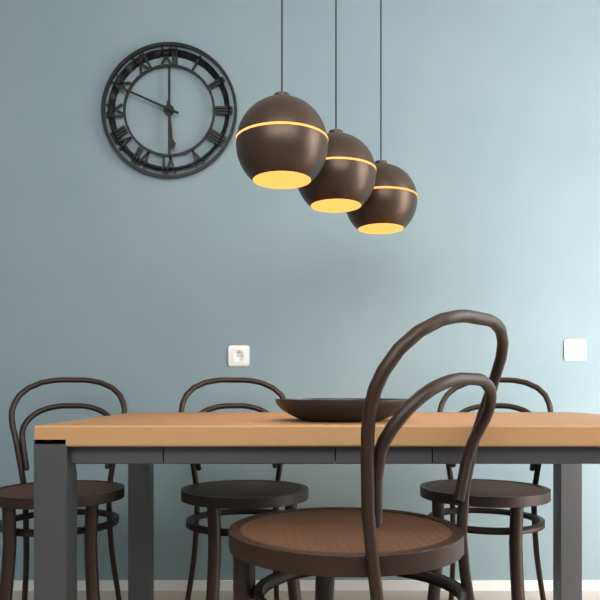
5h49
